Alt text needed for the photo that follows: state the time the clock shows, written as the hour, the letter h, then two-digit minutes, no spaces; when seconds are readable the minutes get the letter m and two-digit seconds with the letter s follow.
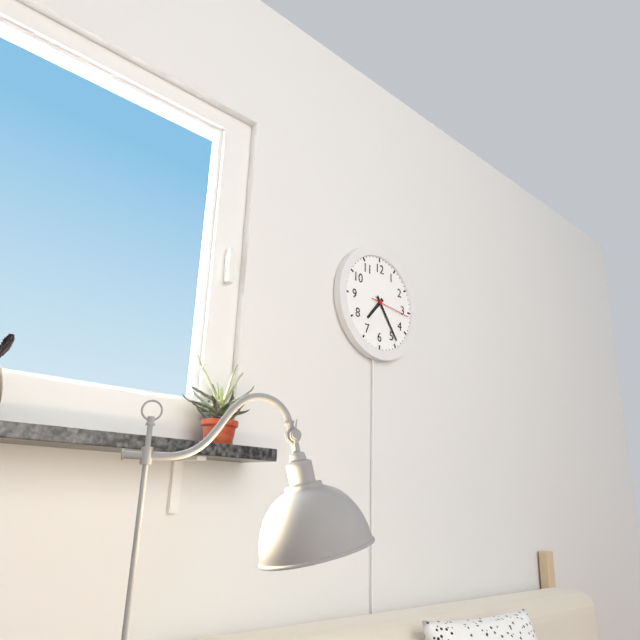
7h24
